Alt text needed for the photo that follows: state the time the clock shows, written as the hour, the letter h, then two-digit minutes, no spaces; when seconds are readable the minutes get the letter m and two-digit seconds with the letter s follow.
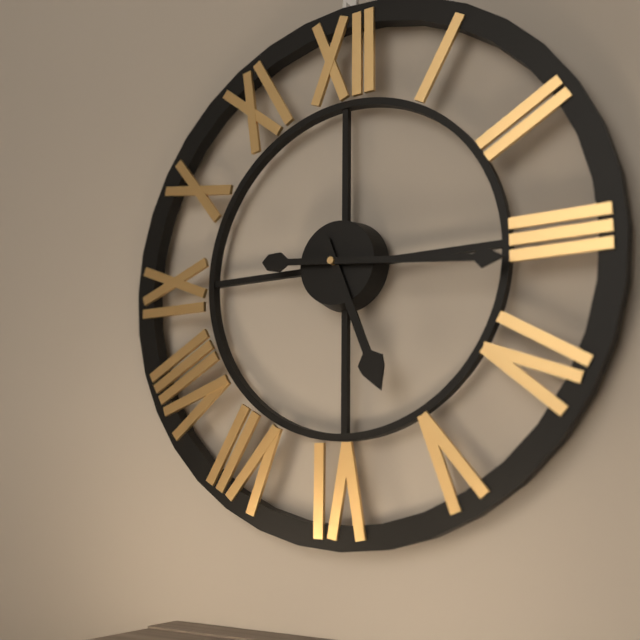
5h16
